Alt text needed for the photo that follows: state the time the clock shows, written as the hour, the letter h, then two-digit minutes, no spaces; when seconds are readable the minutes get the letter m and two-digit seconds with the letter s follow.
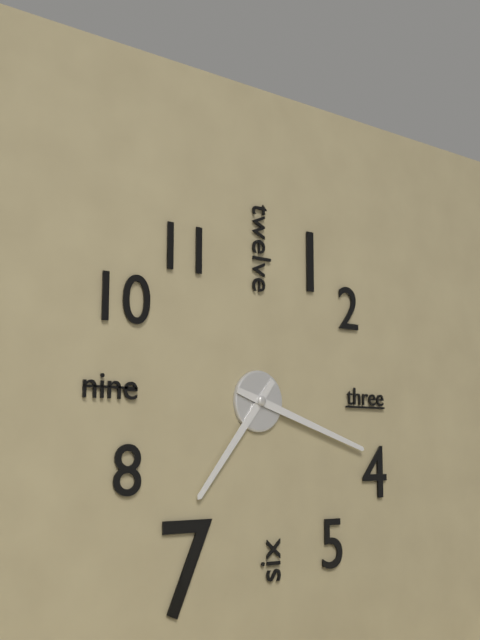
7h18
